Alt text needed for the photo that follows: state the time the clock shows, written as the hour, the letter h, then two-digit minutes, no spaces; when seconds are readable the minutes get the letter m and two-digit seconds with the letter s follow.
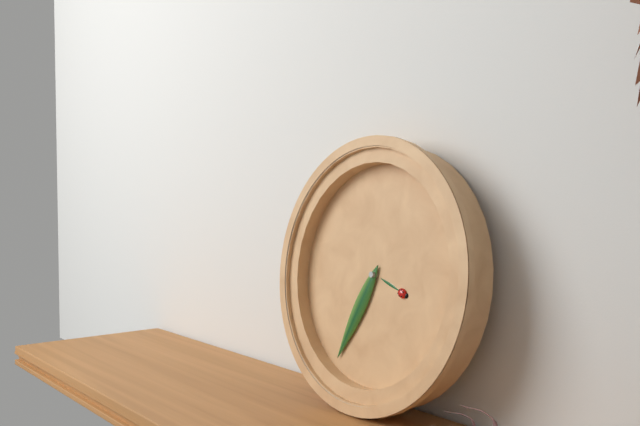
3h34
